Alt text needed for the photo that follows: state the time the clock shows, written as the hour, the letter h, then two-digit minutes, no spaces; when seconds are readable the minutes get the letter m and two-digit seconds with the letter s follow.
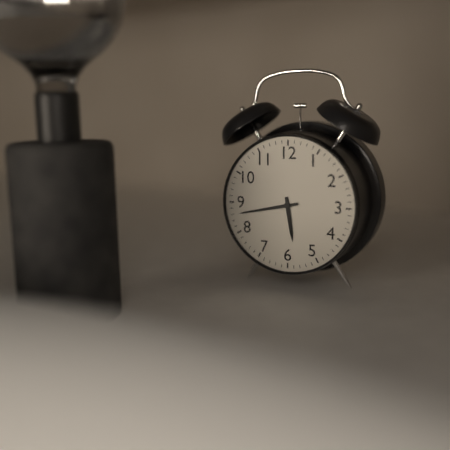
5h43
